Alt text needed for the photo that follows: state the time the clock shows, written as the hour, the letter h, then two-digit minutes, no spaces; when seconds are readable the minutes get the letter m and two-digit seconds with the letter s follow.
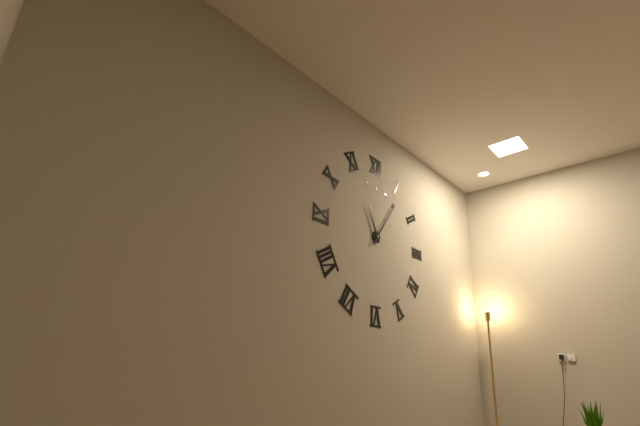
11h06
